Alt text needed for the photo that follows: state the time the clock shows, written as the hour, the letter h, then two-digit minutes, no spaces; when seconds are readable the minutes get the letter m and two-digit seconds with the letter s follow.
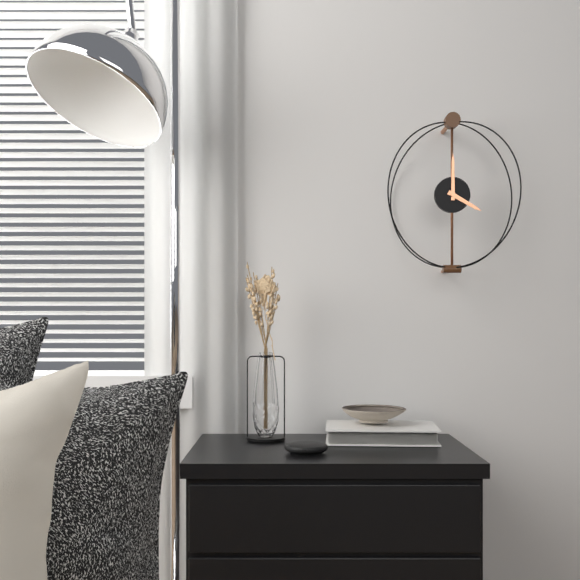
4h00
